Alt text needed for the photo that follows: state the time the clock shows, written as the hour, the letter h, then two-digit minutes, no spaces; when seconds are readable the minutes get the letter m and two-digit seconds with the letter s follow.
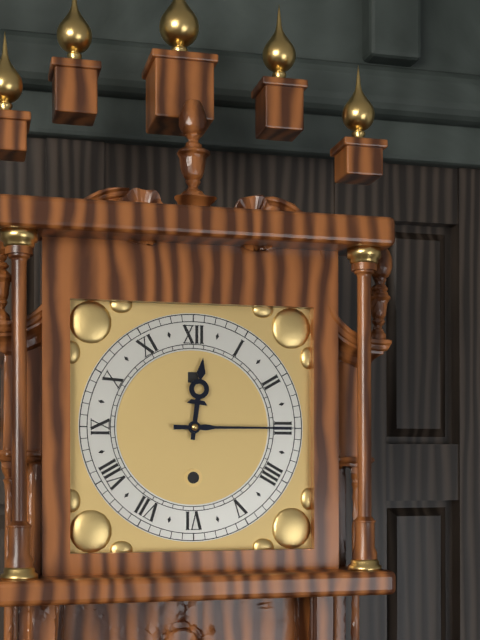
12h15
